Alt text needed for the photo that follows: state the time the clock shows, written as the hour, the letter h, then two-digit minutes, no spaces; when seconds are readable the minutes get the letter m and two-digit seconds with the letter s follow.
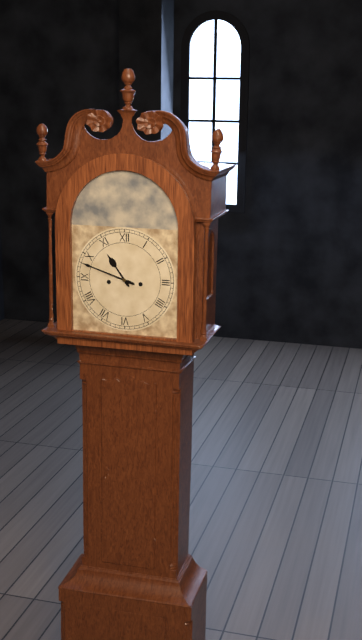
10h48
